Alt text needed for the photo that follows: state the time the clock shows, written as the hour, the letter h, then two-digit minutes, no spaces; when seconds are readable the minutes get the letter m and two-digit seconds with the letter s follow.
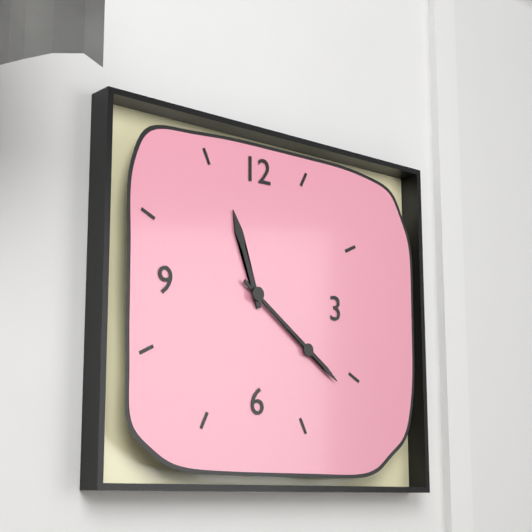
11h21
